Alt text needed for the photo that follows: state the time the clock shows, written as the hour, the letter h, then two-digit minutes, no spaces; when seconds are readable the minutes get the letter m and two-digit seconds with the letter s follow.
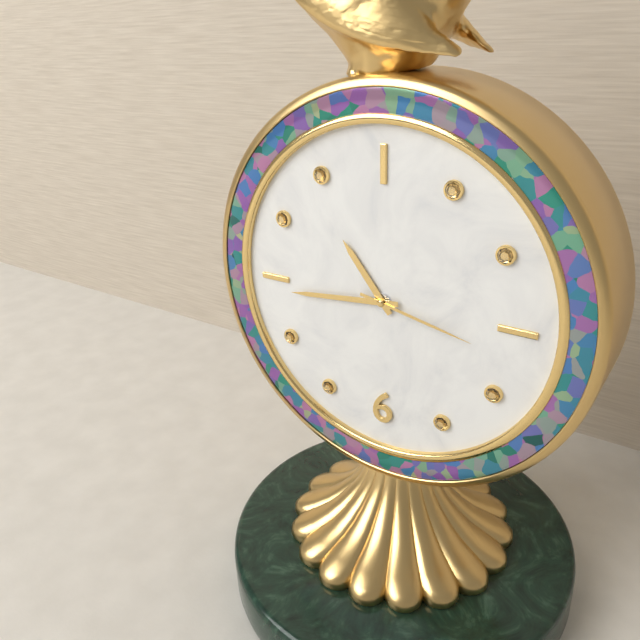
10h44m17s
